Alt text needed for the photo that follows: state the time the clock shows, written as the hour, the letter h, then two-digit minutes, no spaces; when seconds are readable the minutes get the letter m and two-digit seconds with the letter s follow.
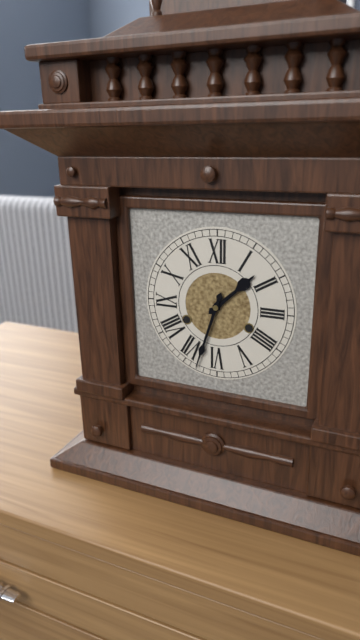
1h33
